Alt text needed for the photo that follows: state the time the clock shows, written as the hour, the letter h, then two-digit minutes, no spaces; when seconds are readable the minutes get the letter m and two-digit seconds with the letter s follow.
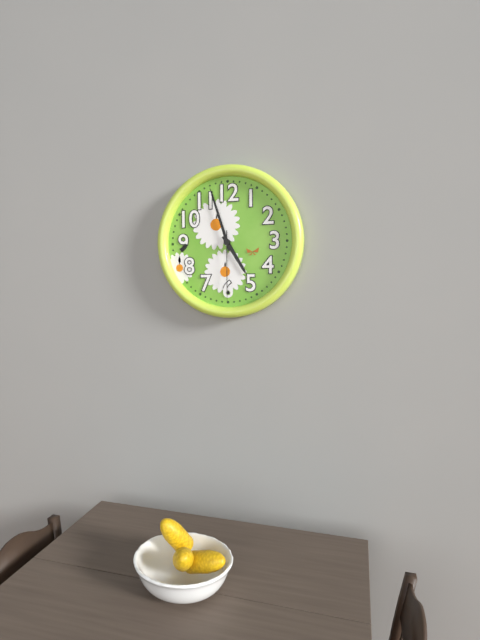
4h57m30s
